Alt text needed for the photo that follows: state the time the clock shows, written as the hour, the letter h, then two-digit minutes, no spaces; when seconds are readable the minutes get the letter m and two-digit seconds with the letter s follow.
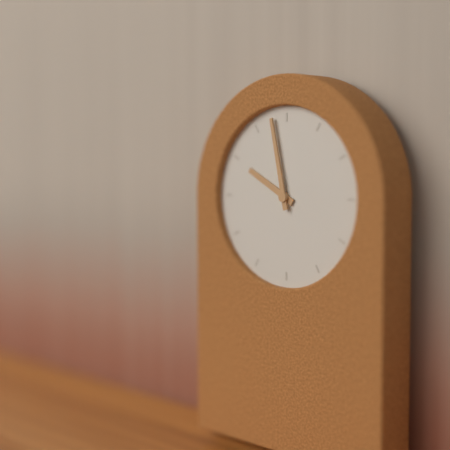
9h58
